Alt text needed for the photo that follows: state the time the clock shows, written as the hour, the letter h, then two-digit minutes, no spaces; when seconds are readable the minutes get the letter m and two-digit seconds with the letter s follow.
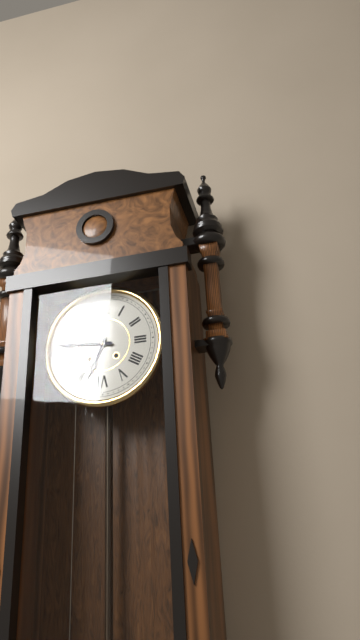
6h46
